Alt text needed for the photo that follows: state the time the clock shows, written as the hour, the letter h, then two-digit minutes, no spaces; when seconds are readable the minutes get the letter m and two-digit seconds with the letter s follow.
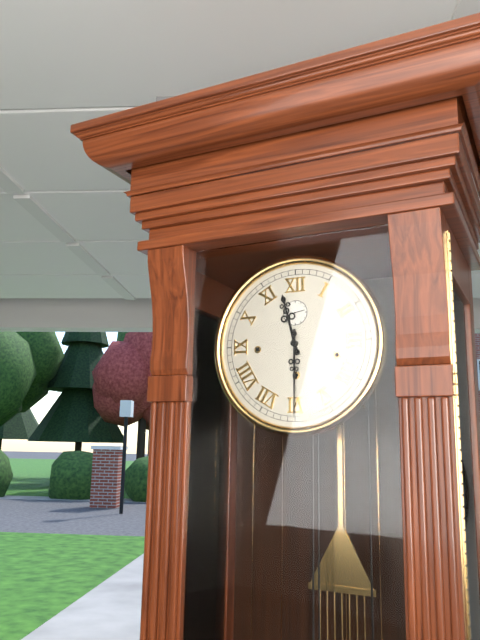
11h30
